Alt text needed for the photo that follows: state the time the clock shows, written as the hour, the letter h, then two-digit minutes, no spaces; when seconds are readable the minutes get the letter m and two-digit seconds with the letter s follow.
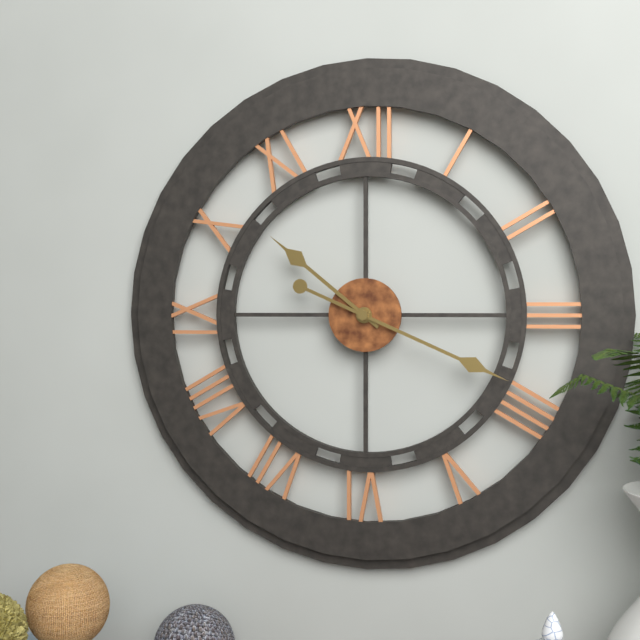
10h19
